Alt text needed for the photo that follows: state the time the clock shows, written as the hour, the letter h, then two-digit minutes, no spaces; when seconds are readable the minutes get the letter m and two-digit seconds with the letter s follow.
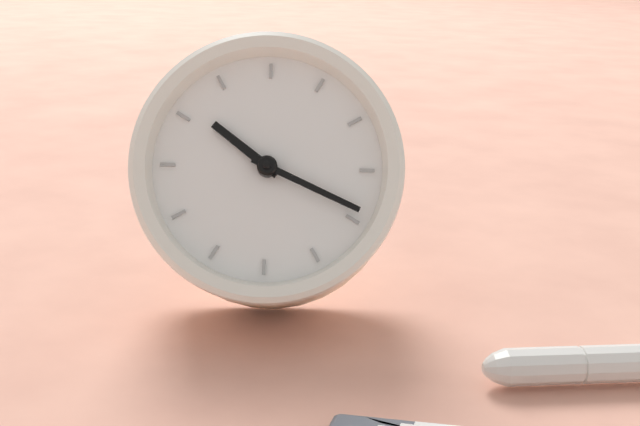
9h14
